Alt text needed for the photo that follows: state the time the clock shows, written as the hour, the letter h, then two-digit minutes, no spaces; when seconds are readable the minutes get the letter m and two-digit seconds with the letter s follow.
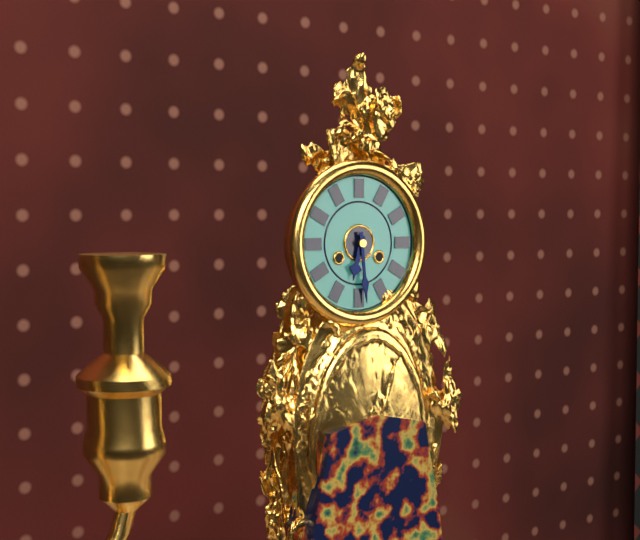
6h29
